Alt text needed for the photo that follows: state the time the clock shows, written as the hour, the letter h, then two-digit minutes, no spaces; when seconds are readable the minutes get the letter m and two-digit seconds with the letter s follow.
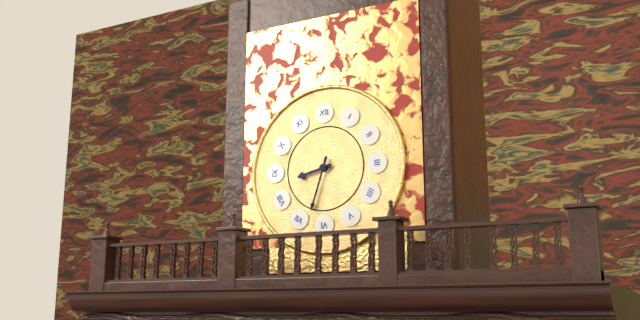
8h33
